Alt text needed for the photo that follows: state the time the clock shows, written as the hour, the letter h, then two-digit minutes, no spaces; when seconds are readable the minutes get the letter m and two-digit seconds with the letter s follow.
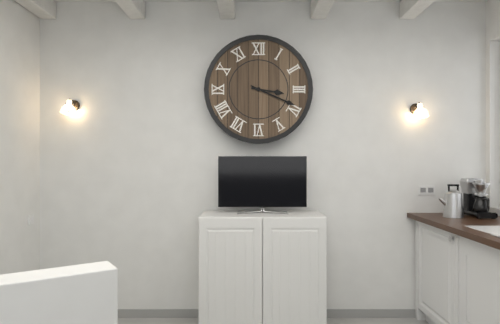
3h19
